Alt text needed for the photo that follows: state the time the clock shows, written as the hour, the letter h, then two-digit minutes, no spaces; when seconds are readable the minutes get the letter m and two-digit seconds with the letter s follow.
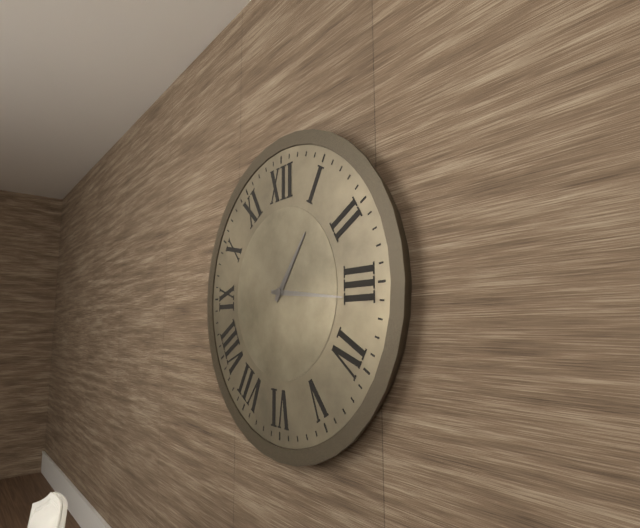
1h16
